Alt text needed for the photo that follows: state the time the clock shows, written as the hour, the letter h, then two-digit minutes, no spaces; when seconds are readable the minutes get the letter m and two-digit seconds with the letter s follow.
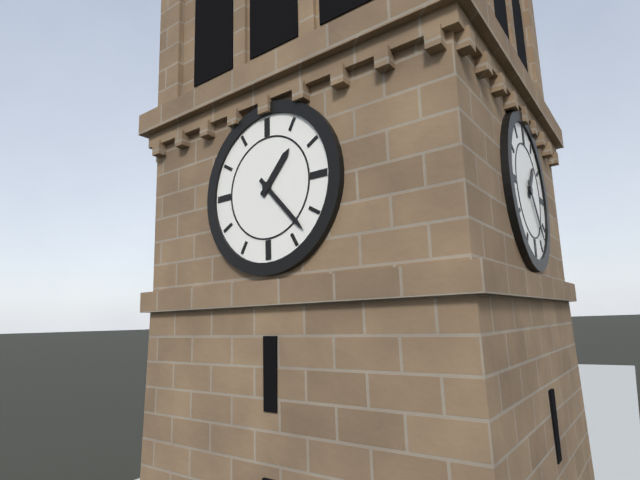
1h23
